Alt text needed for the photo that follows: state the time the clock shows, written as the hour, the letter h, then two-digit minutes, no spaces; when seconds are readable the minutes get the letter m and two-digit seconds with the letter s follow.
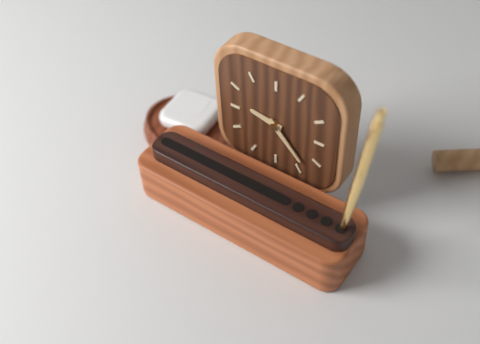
9h23
